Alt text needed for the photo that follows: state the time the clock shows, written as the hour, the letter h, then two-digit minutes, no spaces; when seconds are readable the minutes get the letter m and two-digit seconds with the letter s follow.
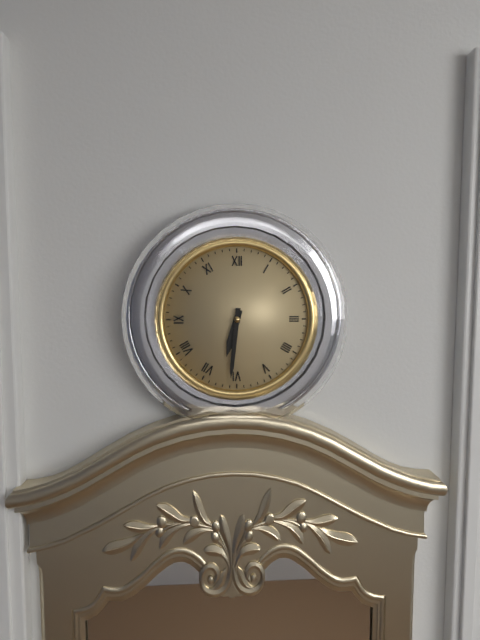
6h31
